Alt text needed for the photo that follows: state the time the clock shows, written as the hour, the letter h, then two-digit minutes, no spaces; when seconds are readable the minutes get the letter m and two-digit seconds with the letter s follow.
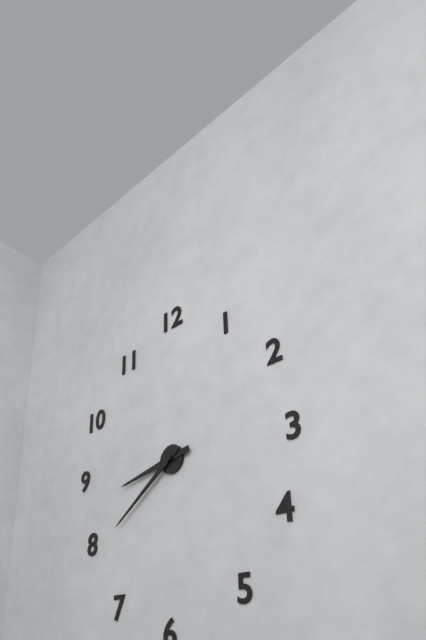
8h39
